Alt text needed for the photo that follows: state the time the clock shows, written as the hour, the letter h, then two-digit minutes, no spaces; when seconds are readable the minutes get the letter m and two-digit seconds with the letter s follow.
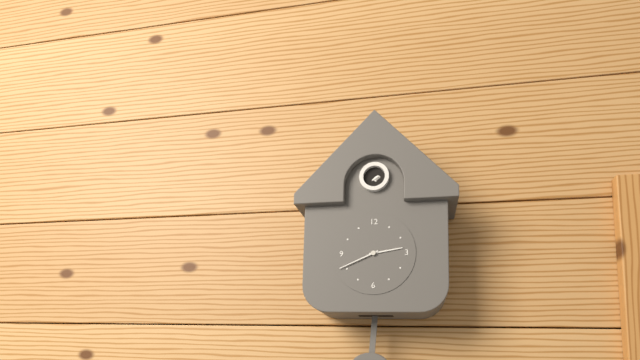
2h41
